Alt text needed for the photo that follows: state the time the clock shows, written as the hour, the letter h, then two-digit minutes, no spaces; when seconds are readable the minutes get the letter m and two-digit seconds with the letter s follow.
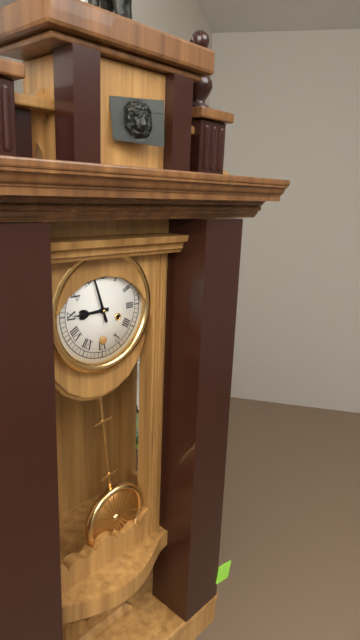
8h57
